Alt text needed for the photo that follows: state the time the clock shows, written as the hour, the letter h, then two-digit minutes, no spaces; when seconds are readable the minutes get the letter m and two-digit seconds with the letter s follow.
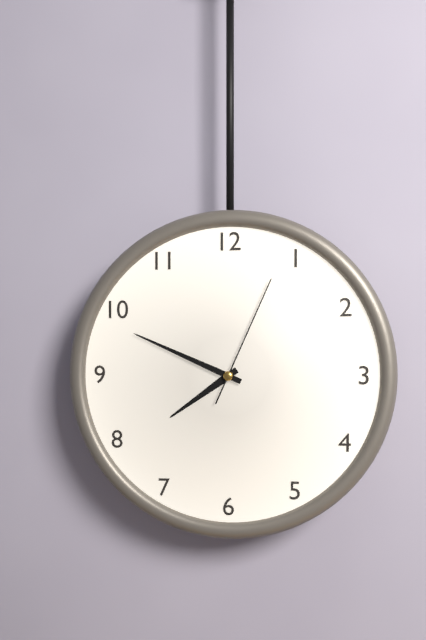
7h49m04s
